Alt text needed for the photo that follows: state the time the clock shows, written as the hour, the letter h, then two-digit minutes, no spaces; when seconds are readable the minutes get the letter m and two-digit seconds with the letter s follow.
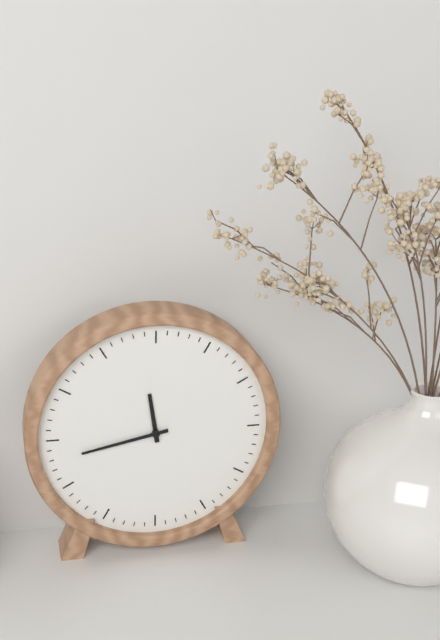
11h43
